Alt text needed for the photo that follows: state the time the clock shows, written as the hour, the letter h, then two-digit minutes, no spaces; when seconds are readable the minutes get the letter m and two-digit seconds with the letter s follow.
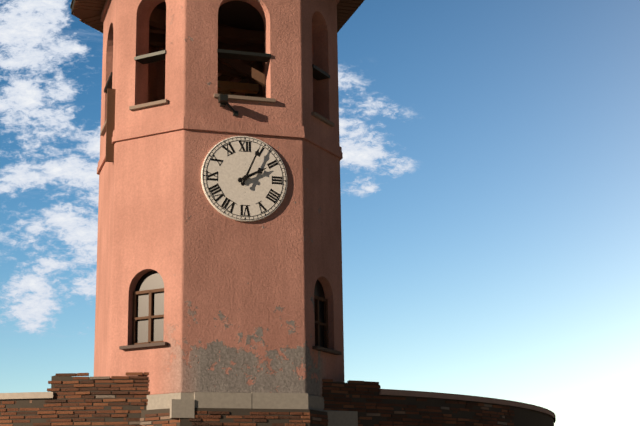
2h04
